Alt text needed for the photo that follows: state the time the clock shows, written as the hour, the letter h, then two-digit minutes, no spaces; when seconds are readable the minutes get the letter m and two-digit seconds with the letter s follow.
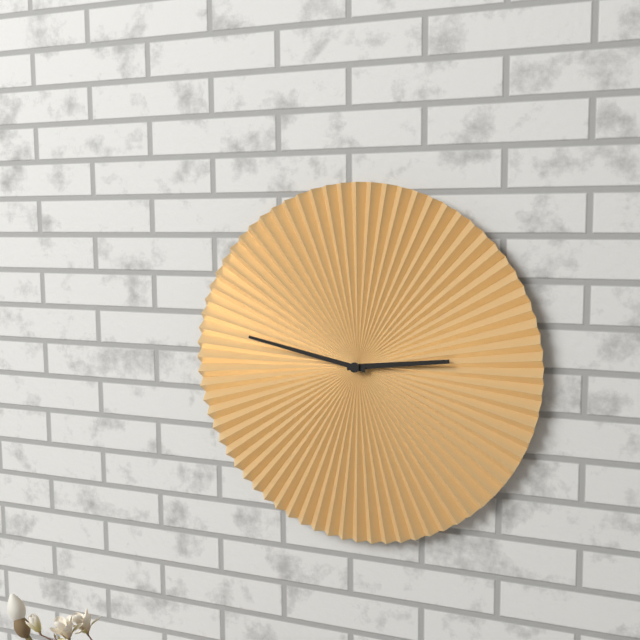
2h47
